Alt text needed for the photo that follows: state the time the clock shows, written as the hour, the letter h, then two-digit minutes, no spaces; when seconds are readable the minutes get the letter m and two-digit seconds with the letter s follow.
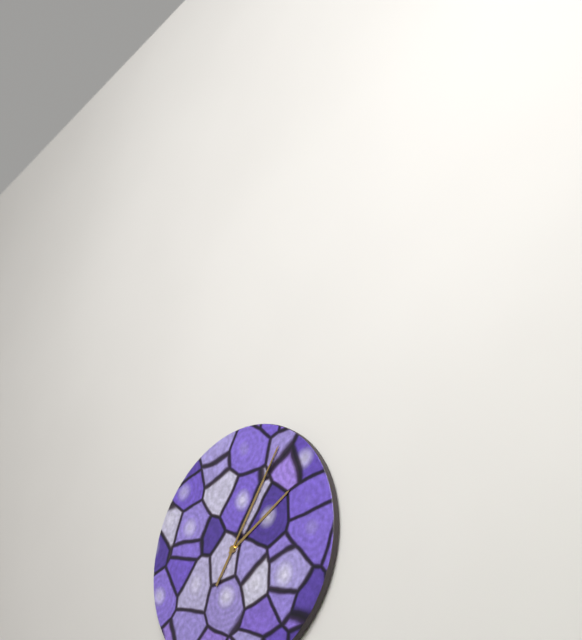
2h06
